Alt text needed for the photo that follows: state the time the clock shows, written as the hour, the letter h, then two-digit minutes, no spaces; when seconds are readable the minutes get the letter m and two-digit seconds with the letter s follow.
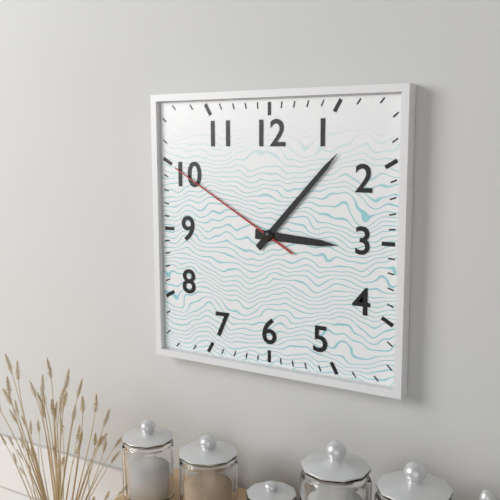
3h07m50s
